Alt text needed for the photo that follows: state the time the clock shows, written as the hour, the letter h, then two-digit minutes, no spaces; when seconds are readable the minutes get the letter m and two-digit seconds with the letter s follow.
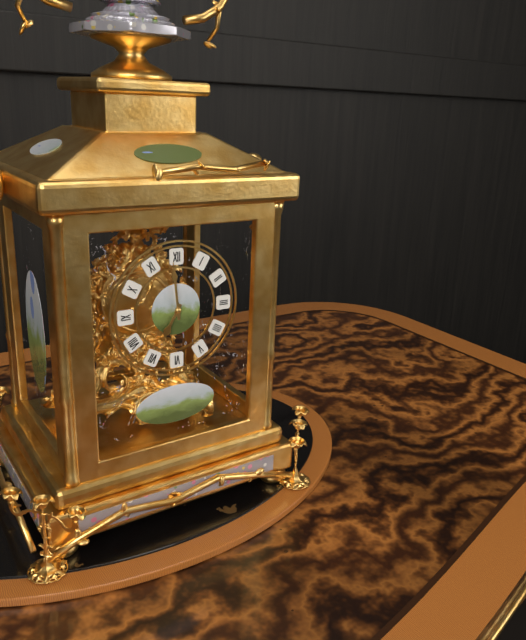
6h59
